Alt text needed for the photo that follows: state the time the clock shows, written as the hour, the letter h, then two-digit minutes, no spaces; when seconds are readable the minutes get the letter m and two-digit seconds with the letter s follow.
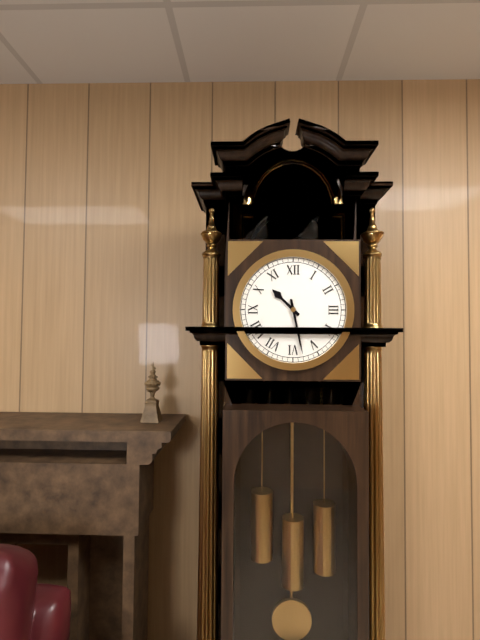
10h28
